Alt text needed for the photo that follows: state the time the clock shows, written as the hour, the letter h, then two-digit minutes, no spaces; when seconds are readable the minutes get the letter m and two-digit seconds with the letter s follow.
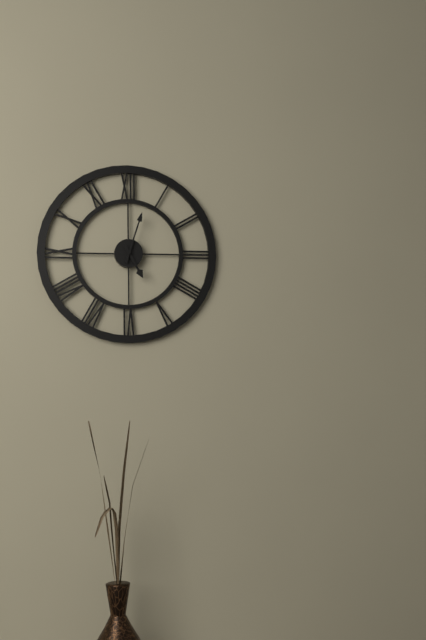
5h03
